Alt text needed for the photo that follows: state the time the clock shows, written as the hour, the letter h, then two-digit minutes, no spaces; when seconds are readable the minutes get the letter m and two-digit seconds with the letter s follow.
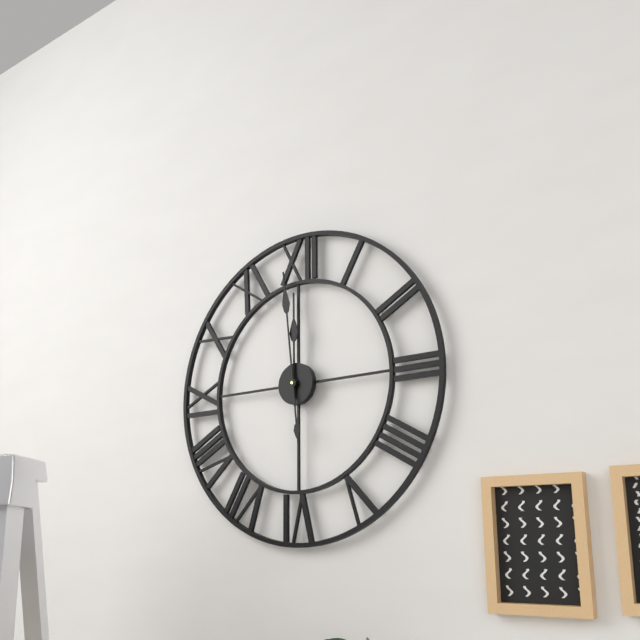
11h59
